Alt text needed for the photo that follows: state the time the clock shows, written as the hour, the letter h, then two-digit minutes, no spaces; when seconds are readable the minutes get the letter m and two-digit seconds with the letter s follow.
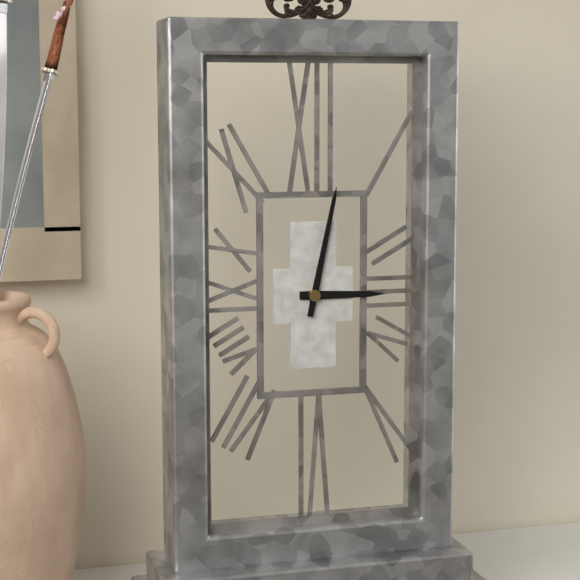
3h02
